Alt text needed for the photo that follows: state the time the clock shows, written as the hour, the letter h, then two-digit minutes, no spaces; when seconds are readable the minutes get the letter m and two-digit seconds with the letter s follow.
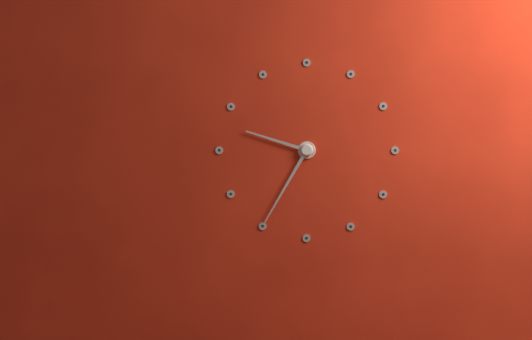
9h35
